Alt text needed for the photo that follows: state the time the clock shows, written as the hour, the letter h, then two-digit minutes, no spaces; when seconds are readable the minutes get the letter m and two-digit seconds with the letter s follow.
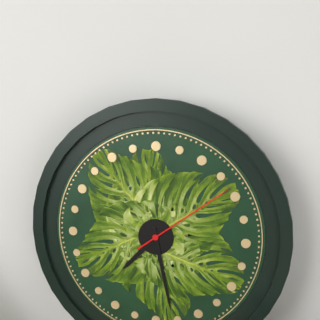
7h28m09s
